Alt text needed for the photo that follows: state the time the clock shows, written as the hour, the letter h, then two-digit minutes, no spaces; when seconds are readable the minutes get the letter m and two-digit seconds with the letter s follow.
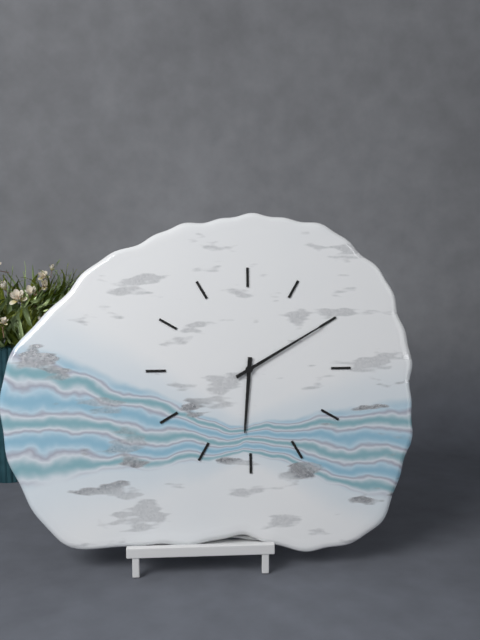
6h10
